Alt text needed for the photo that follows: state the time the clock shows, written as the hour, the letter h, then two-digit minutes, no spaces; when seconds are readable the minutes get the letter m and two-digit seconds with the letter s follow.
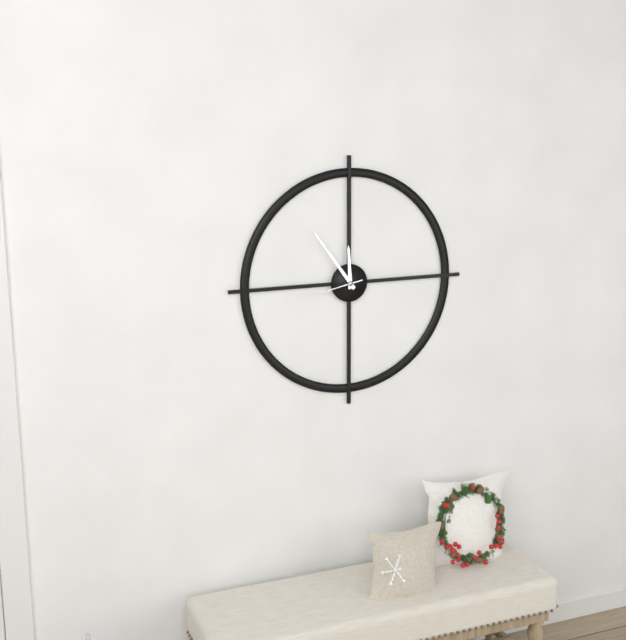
11h54m43s
